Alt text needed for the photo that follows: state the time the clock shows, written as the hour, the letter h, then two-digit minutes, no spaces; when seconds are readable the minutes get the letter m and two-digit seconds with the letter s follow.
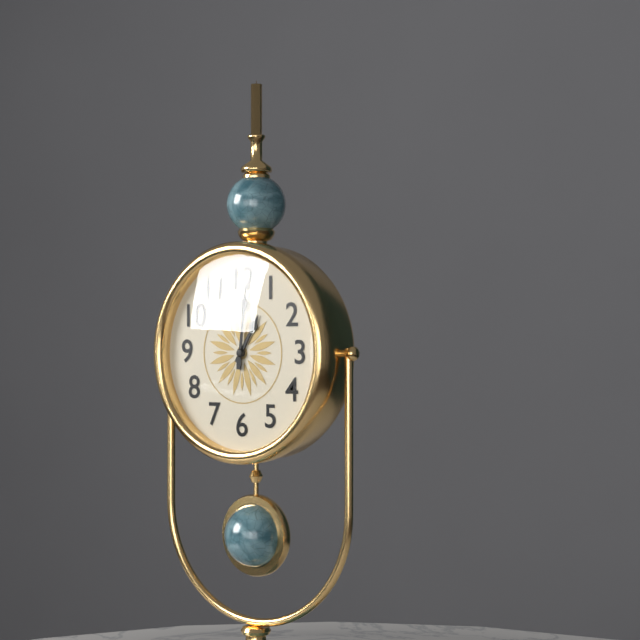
1h01
